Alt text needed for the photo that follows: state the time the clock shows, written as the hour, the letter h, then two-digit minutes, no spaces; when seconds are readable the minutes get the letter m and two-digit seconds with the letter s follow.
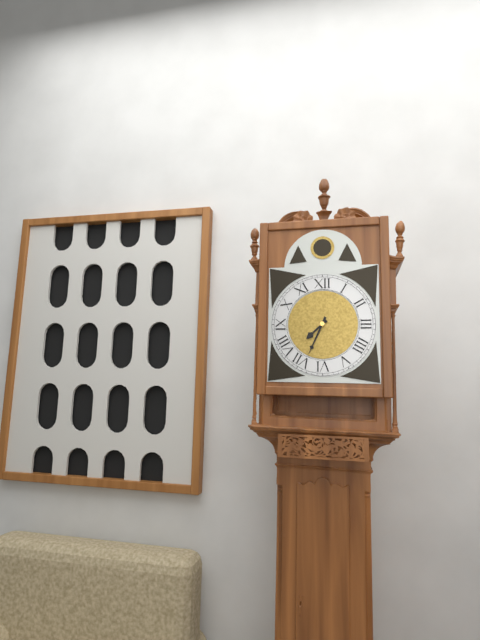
7h34
